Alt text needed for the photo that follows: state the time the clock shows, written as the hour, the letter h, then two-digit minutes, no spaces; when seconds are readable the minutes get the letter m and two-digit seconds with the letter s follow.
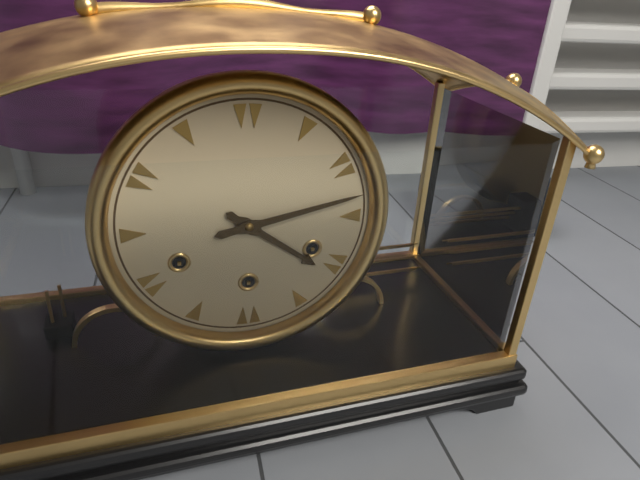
4h13
